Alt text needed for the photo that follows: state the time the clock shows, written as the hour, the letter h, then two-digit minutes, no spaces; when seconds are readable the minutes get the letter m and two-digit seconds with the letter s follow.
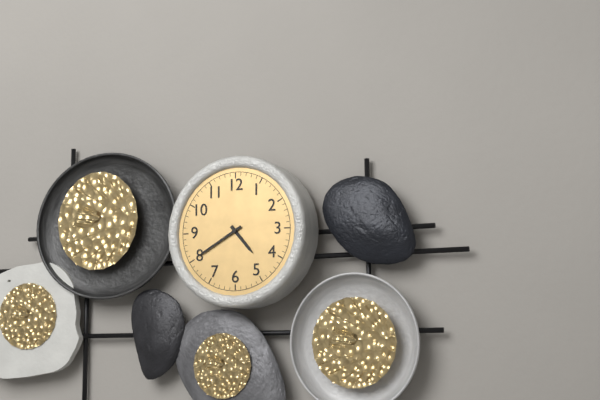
4h40
